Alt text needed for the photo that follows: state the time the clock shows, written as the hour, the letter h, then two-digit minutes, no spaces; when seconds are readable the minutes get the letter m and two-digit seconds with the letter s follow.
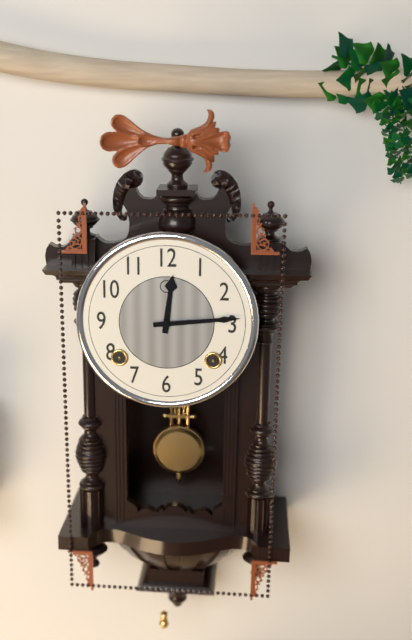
12h14
